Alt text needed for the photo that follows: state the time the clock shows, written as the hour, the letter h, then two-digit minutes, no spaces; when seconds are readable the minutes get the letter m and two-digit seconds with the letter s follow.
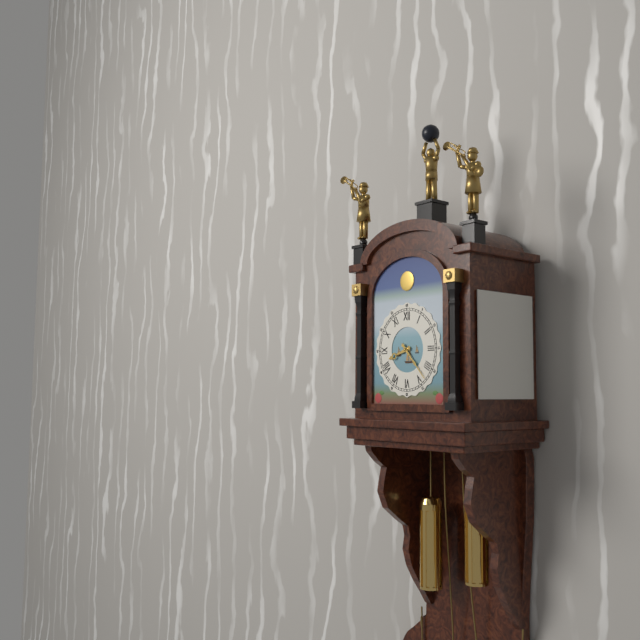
8h23
